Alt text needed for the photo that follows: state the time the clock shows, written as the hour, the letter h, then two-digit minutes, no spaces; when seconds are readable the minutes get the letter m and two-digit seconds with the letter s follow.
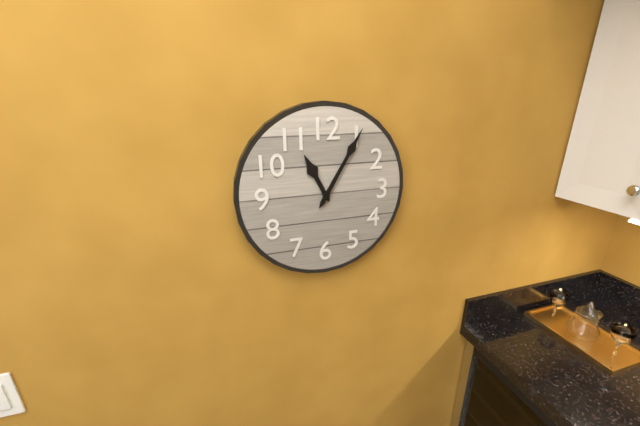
11h05
